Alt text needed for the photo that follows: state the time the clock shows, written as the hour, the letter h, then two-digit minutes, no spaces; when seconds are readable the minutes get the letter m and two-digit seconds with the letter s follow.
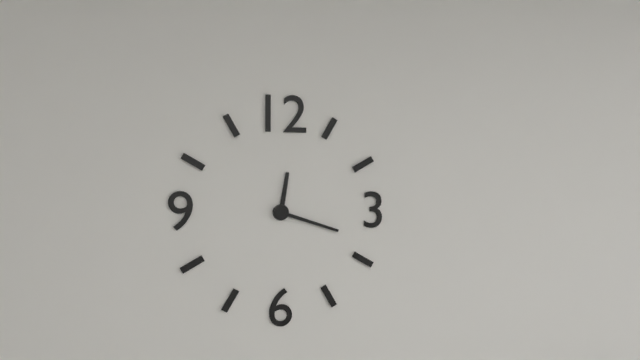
12h18
